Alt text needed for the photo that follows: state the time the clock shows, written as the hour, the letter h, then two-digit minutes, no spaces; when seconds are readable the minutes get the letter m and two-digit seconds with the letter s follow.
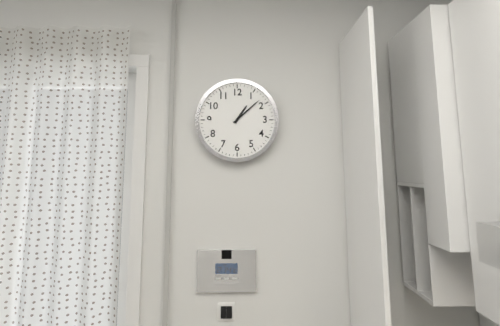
1h08
